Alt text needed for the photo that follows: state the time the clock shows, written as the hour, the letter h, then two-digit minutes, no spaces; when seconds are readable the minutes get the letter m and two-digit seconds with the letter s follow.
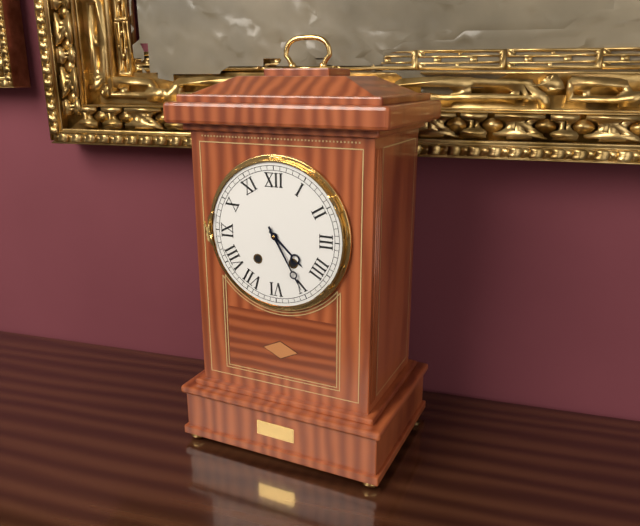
4h25
